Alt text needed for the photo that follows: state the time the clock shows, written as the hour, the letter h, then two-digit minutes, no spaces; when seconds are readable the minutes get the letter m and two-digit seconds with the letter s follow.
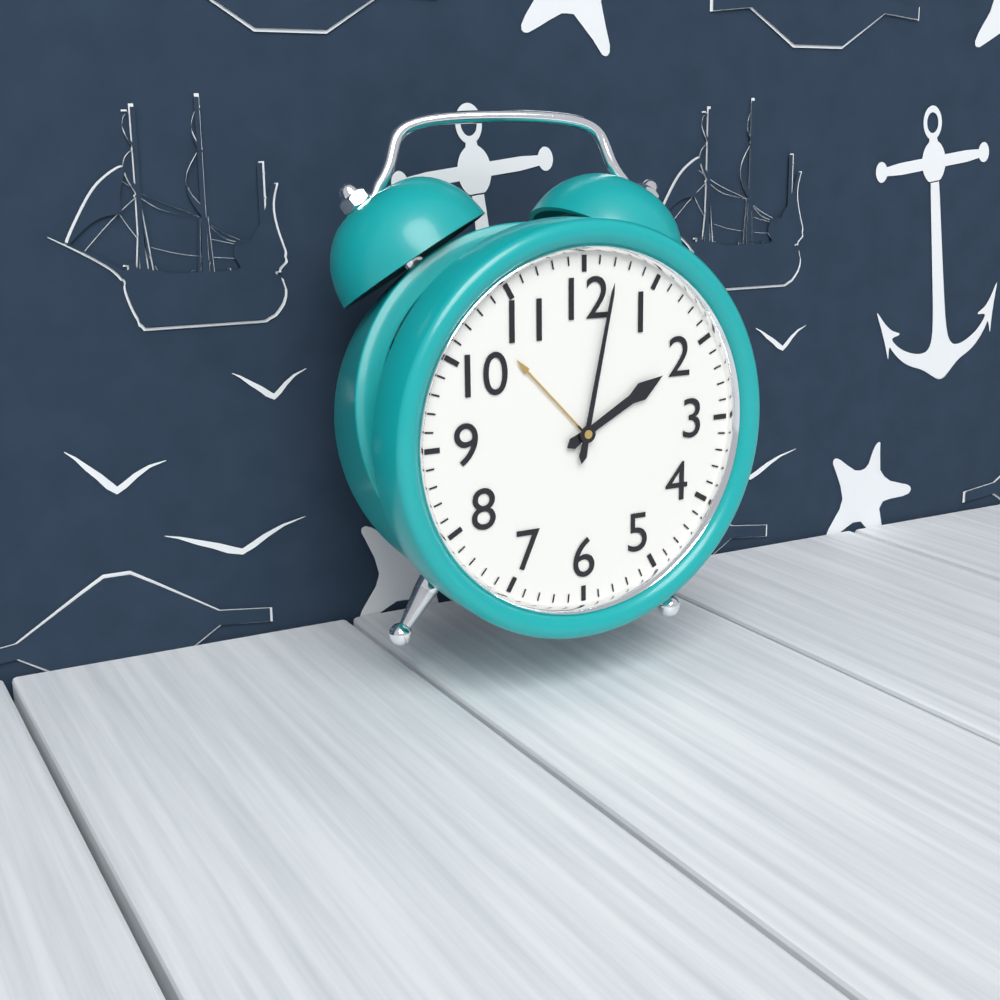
2h02
